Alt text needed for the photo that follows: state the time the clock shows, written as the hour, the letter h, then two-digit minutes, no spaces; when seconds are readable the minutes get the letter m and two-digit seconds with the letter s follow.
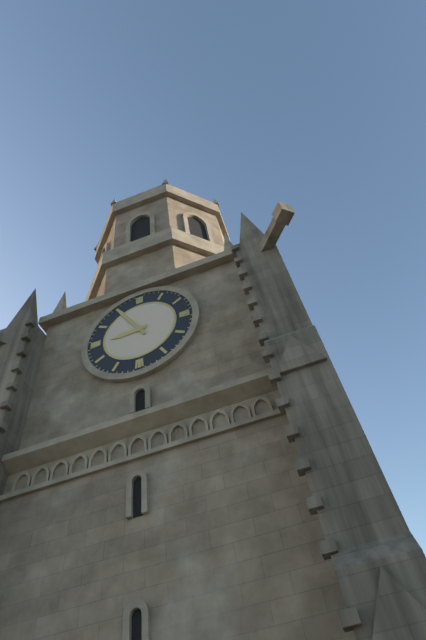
8h55
